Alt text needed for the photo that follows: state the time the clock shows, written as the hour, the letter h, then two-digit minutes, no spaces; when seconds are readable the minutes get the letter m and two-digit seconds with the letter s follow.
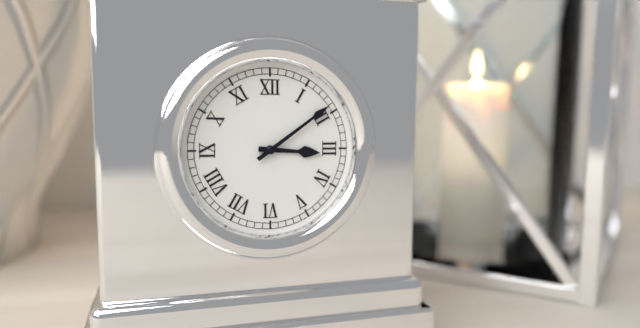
3h09
